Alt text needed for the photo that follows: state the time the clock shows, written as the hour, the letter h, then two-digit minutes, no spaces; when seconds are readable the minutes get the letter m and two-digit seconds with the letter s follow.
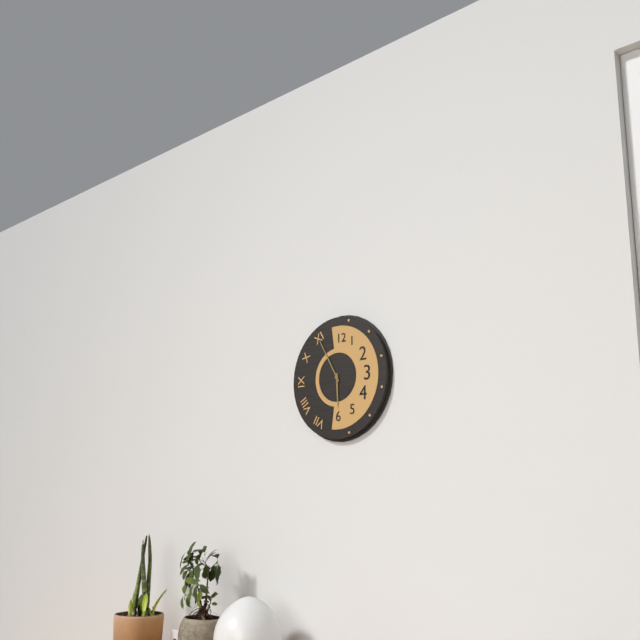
5h55
